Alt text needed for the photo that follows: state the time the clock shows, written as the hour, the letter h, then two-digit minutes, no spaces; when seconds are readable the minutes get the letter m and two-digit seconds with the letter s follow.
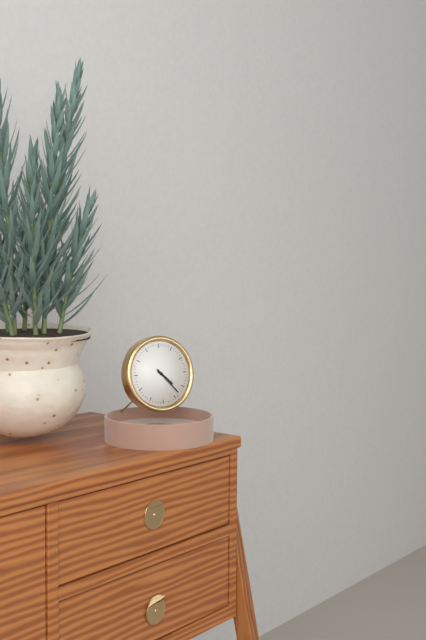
4h23
